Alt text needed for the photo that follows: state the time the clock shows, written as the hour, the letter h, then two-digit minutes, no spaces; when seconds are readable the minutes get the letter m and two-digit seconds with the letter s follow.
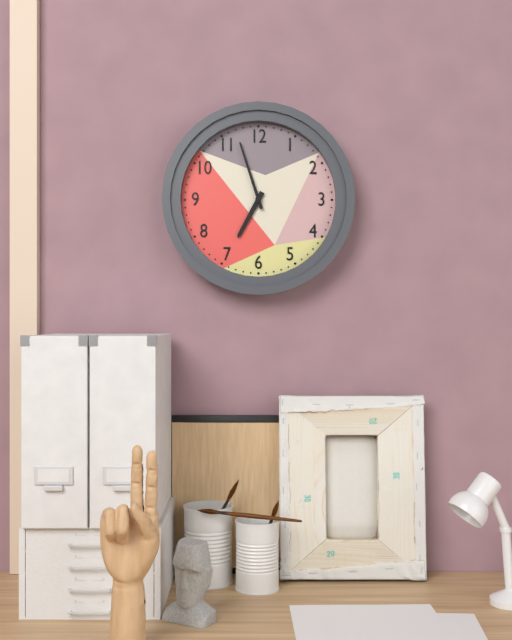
6h57
